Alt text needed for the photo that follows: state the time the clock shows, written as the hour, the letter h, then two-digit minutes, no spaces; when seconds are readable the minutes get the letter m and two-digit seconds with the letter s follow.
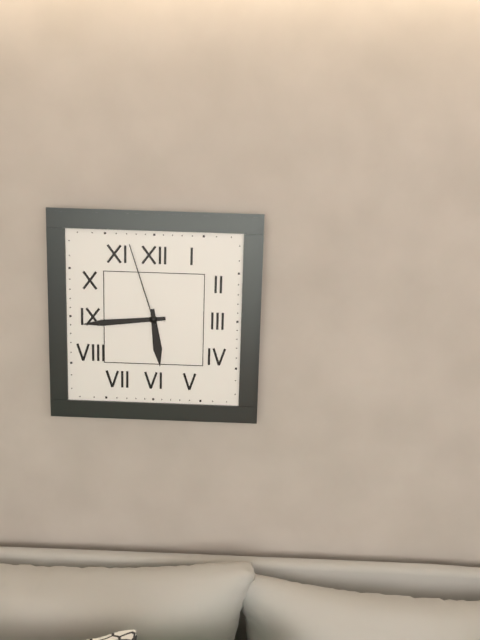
5h44m57s
